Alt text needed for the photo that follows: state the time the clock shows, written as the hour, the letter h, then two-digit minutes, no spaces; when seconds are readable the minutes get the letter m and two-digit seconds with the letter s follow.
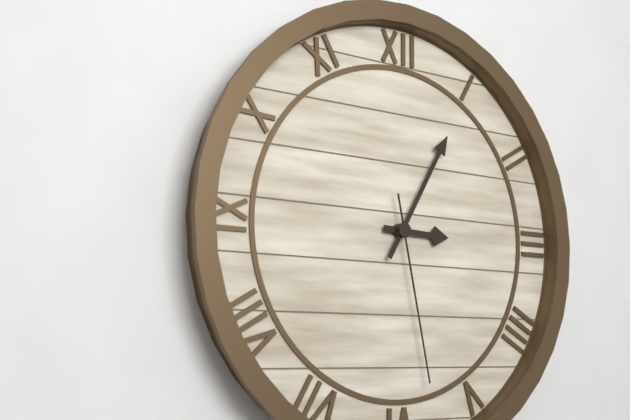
3h05m28s
